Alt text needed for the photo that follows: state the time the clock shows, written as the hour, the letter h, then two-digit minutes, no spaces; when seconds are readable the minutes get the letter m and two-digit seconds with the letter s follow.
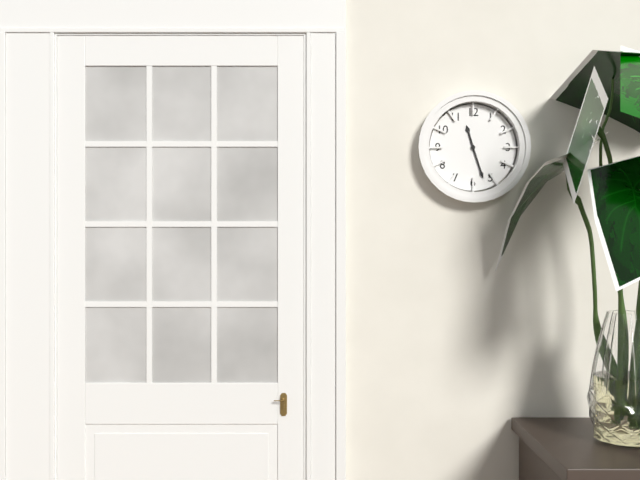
11h27
